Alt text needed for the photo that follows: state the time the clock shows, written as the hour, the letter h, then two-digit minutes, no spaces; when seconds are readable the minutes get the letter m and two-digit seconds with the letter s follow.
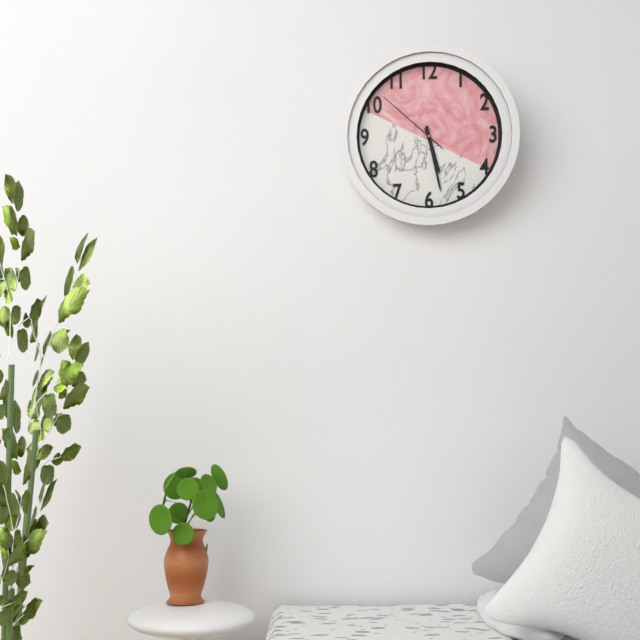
5h28m52s
